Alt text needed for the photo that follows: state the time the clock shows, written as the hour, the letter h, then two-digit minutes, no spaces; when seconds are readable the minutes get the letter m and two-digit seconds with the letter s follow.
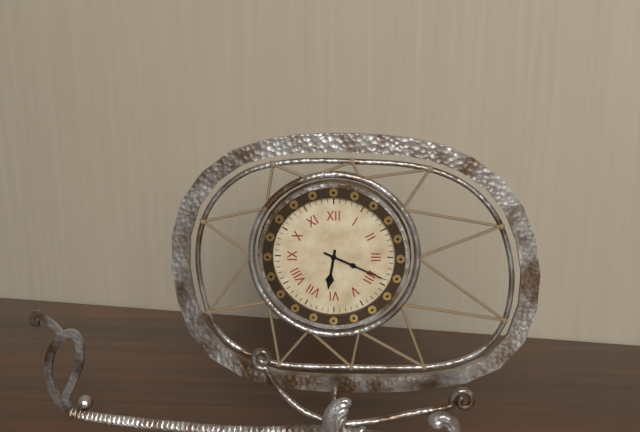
6h19
